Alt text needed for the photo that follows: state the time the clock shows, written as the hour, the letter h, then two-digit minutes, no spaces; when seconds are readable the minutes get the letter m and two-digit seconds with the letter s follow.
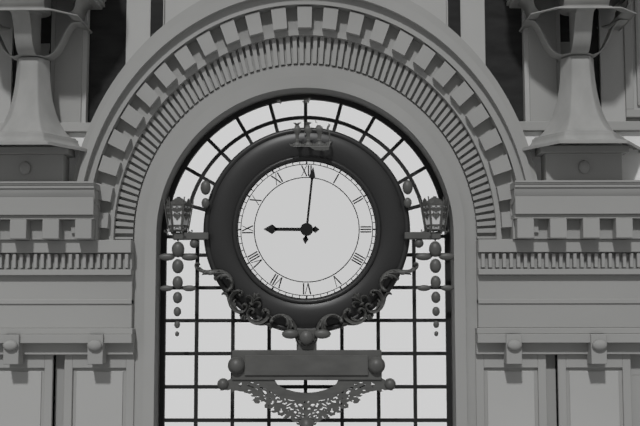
9h01
